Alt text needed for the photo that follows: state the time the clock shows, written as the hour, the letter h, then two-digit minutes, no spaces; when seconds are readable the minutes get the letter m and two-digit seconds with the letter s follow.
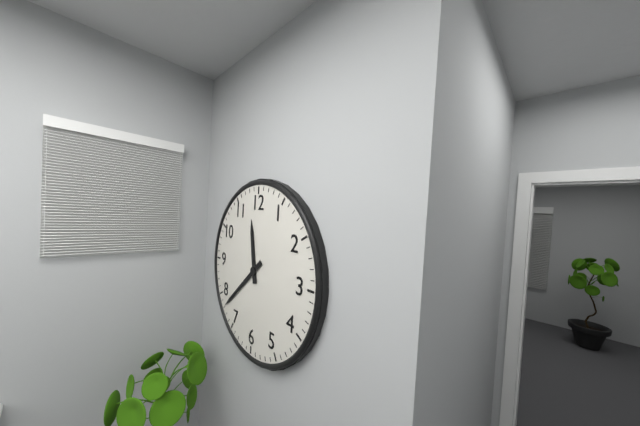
11h38
